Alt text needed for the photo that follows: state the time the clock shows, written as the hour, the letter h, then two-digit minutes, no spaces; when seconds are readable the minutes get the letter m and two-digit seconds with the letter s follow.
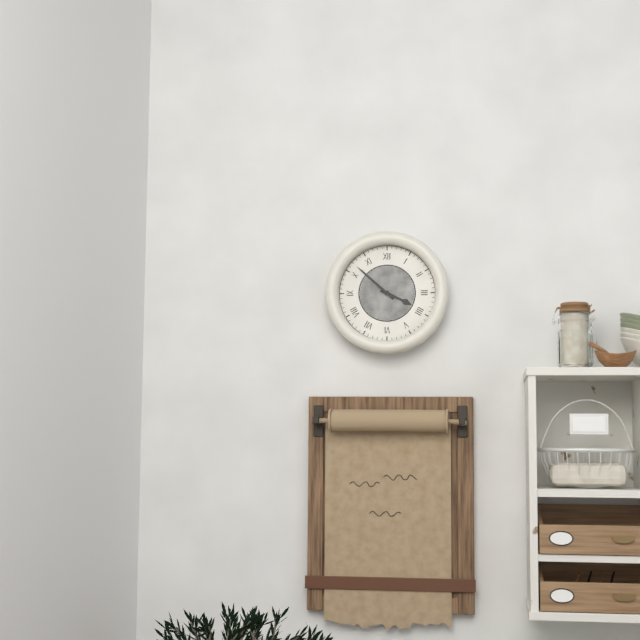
3h52
